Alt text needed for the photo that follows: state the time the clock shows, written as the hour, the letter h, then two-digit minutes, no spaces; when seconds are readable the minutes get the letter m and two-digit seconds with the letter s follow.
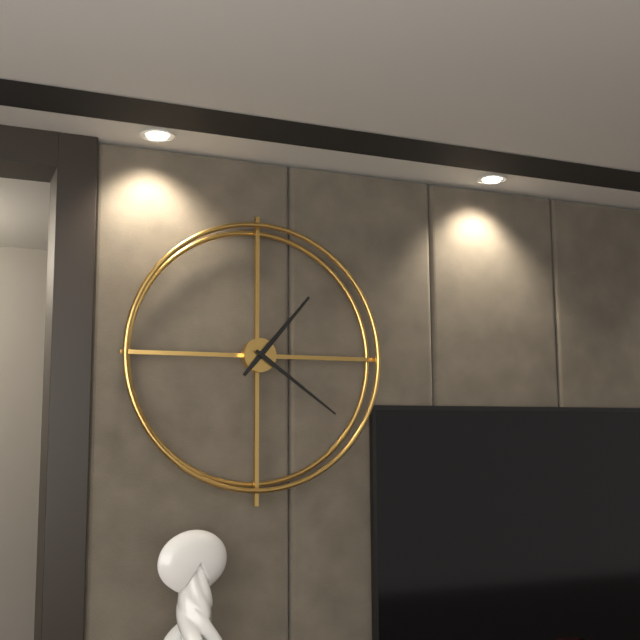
1h21
